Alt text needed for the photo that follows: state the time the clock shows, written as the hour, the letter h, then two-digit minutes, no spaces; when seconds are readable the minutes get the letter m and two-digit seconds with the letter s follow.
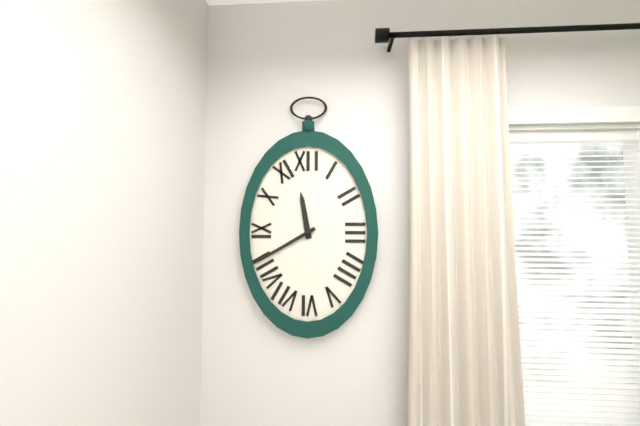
11h40
